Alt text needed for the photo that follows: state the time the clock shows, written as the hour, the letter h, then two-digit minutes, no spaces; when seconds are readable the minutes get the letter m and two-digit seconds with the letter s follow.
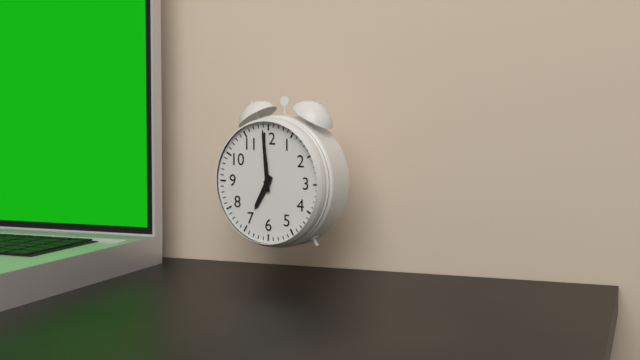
6h59
